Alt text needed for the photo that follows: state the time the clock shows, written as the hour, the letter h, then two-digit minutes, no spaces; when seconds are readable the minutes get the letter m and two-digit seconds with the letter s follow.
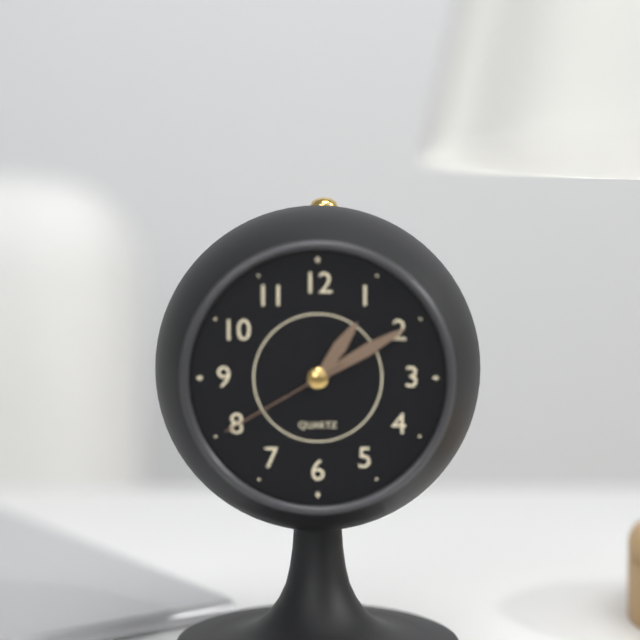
1h10m40s
